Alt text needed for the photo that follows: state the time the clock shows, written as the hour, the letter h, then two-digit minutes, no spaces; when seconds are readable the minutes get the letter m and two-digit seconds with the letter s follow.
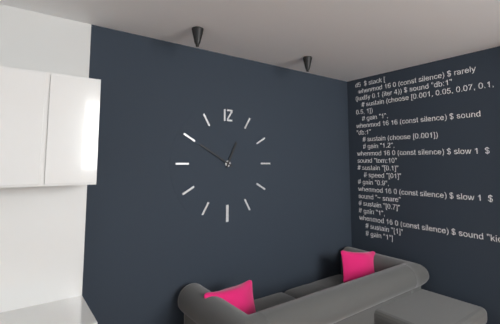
12h50
